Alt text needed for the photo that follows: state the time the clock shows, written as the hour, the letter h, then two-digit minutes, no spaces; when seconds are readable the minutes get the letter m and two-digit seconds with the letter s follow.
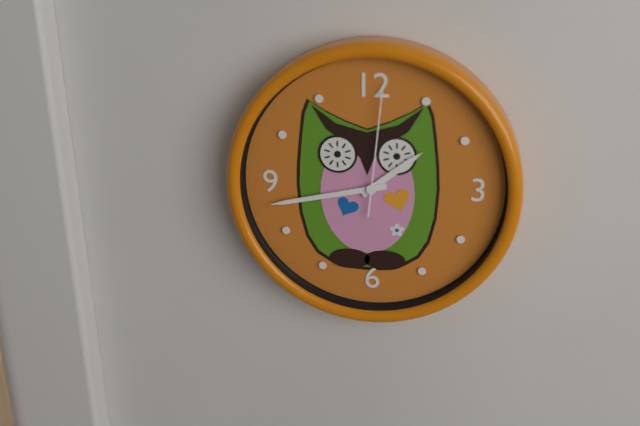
1h43m01s
